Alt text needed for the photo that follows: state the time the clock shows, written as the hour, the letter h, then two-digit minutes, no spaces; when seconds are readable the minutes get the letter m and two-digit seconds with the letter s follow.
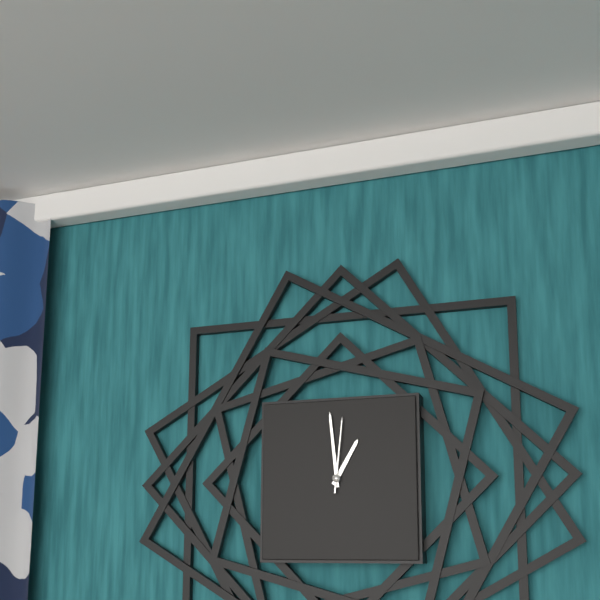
12h59m01s
